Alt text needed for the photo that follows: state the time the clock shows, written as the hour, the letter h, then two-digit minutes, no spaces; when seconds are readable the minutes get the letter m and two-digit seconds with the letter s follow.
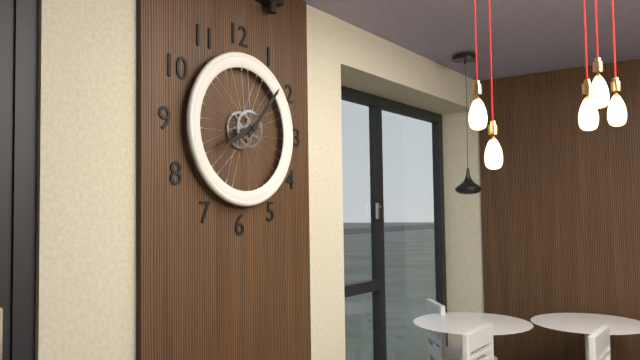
8h07
